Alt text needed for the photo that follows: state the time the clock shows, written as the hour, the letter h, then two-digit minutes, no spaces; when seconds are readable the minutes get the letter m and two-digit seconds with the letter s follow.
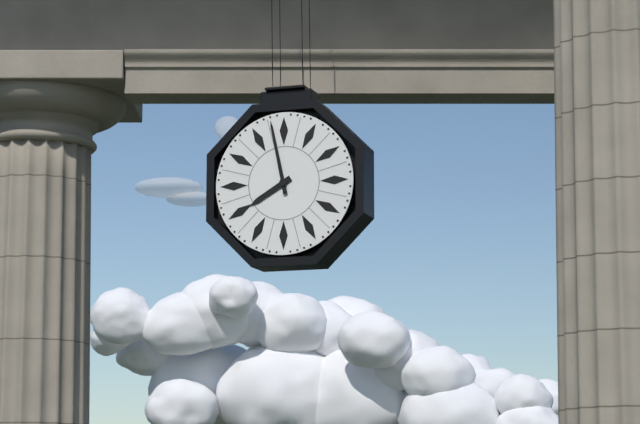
7h58
